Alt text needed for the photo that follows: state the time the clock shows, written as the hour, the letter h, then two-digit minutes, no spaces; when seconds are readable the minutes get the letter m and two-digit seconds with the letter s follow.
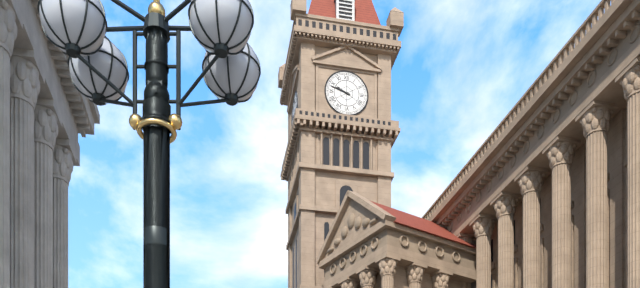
9h48
